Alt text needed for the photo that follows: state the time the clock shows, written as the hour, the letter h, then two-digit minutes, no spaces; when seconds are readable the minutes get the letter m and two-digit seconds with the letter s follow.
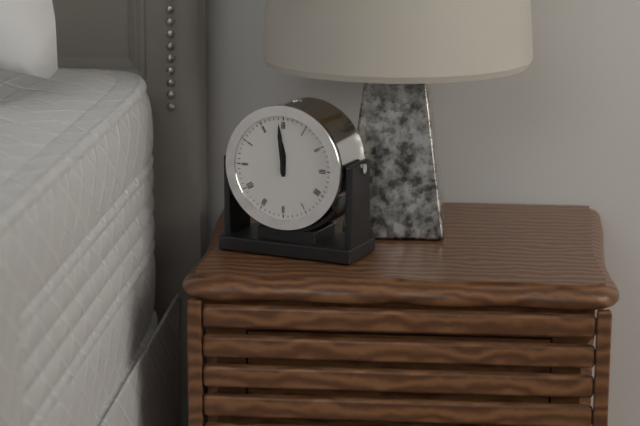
11h59
